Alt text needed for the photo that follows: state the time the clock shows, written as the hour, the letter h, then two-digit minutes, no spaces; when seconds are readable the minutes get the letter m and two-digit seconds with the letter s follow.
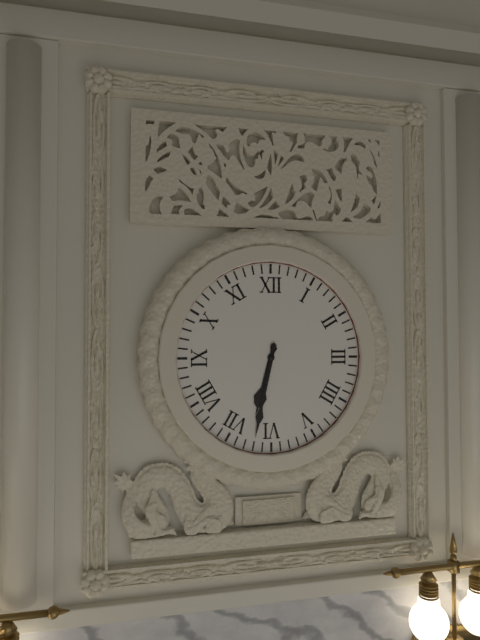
6h32
